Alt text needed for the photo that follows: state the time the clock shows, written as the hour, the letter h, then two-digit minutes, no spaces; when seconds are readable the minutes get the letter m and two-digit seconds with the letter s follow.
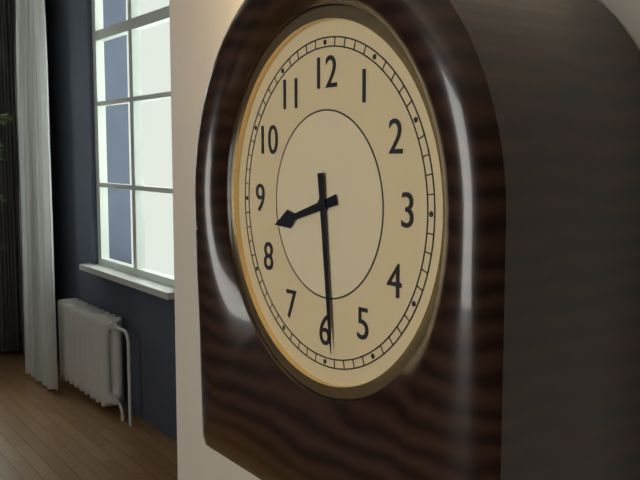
8h29
